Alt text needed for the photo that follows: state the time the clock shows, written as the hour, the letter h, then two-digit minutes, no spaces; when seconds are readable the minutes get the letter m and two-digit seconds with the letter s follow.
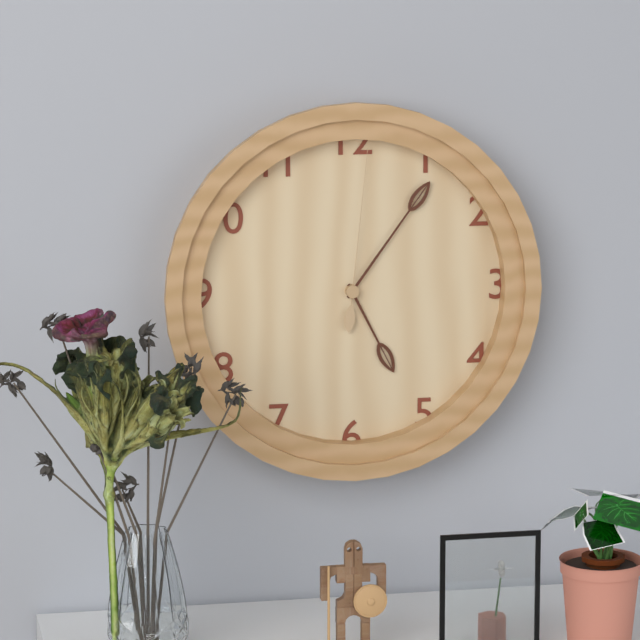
5h06m01s
